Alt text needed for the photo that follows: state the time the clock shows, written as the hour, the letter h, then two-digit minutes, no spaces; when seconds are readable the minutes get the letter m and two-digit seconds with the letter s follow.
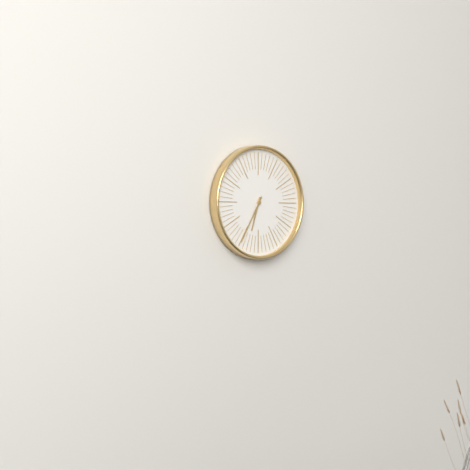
6h35
